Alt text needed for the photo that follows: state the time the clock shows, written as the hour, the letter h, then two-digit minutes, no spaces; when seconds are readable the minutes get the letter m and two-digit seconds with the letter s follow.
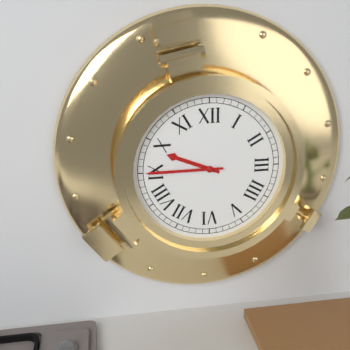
9h45
